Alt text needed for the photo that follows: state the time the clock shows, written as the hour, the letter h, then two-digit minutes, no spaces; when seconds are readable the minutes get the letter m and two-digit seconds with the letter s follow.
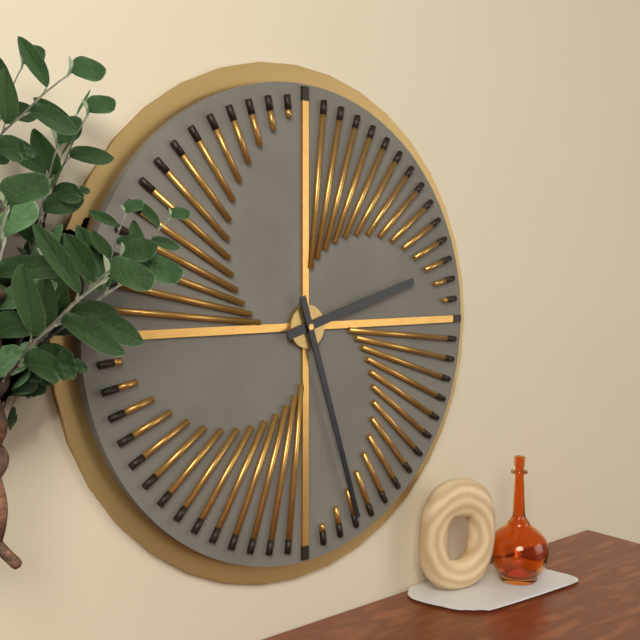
2h27
